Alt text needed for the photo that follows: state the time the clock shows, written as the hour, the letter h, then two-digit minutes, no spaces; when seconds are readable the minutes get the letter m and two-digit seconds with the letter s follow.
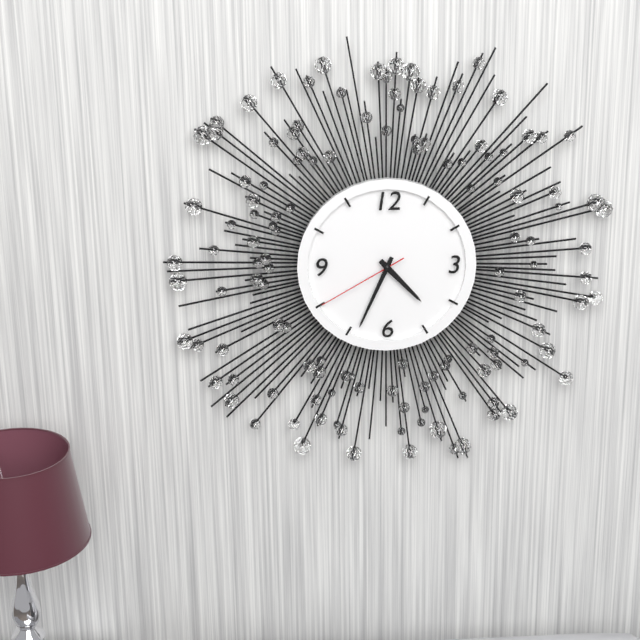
4h34m40s
